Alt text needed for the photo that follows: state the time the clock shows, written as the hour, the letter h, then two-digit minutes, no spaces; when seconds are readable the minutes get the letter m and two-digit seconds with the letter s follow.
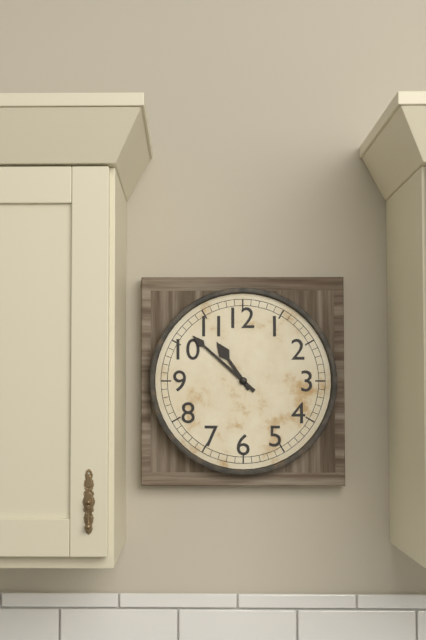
10h52
